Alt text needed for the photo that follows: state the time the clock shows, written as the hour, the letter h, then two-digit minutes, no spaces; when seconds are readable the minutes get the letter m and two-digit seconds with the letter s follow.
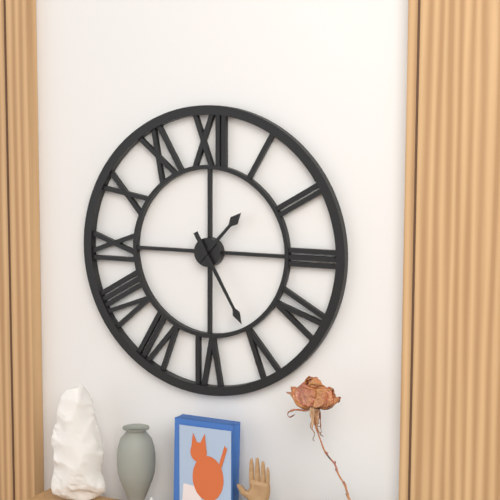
1h25
